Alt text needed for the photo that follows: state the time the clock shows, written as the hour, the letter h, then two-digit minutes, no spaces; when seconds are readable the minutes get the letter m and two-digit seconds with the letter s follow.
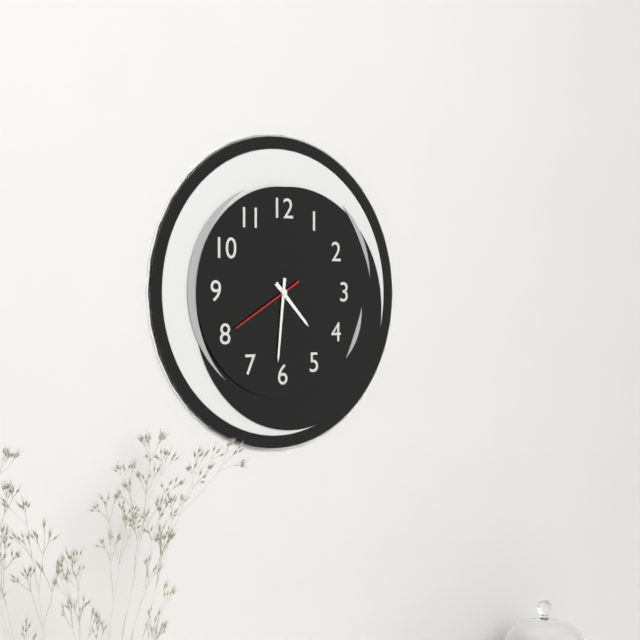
4h31m40s
